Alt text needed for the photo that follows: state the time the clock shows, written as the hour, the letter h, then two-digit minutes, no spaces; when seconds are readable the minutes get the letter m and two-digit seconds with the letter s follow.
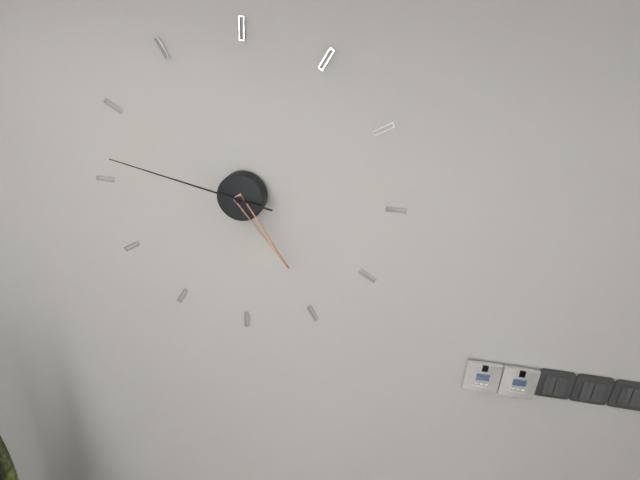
4h47
